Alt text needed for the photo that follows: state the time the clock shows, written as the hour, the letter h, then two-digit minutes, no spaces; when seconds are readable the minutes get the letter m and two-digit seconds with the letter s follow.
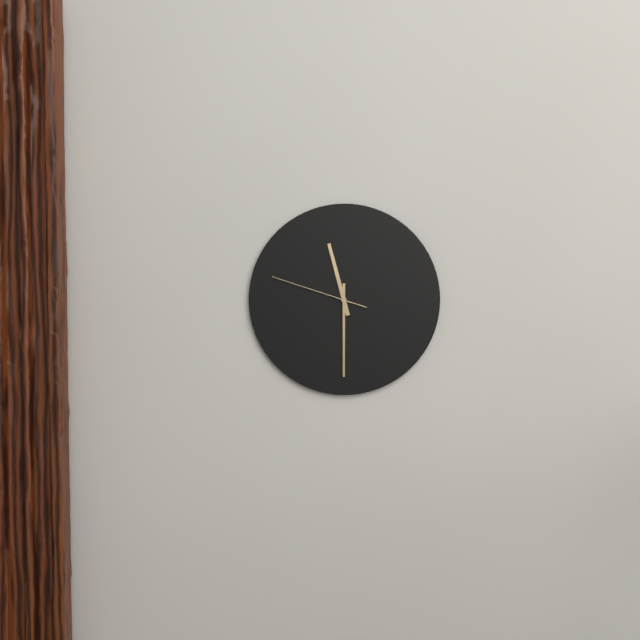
11h30m48s
